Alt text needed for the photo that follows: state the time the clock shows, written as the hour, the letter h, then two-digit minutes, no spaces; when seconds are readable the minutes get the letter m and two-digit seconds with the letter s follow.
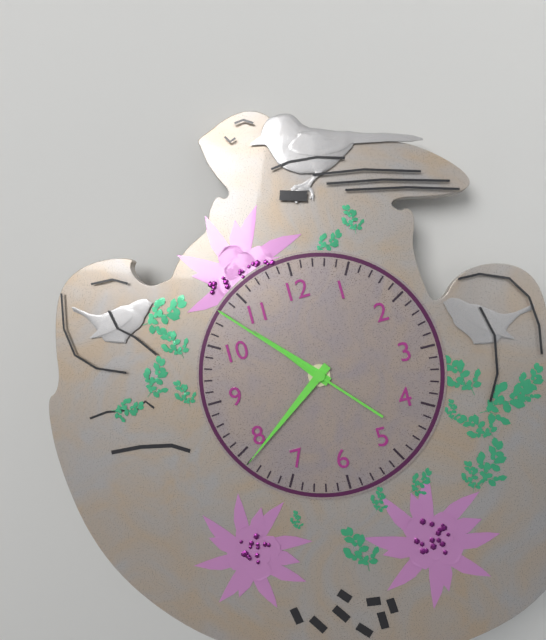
10h39m53s
